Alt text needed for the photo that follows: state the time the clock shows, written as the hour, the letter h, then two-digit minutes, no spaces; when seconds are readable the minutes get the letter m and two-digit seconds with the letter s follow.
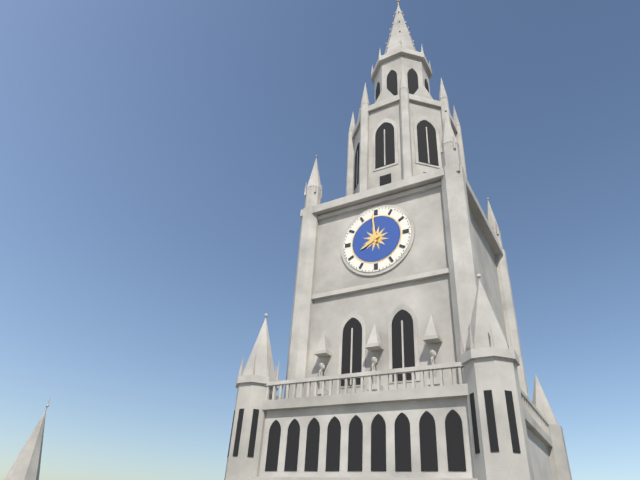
7h59
